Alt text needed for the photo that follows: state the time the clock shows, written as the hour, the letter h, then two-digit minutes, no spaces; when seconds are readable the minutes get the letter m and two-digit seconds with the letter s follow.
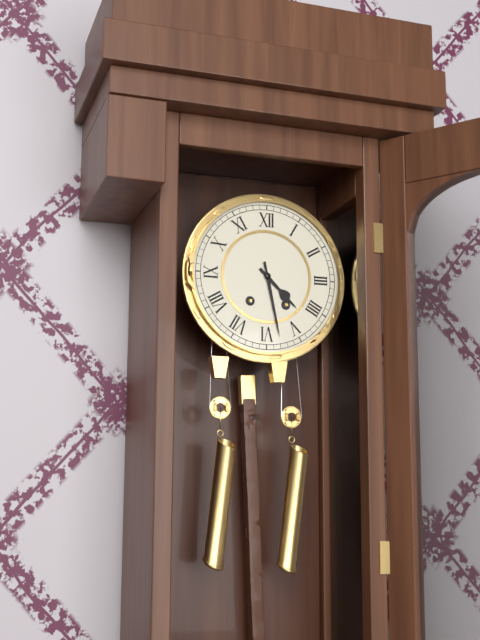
4h28
